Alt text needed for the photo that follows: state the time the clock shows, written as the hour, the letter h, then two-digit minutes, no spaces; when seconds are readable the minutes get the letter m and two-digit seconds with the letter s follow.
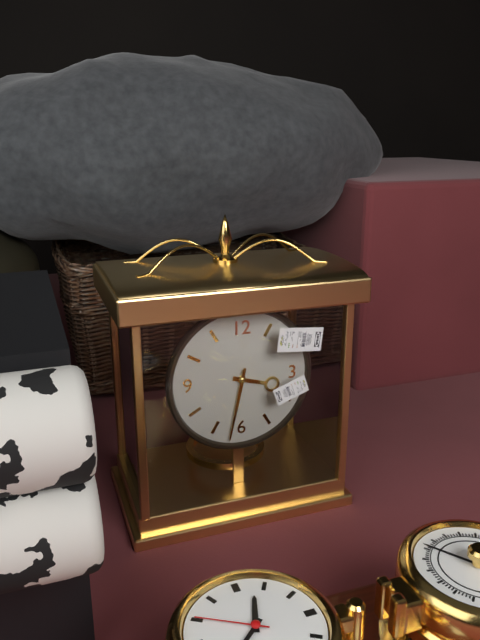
3h32
